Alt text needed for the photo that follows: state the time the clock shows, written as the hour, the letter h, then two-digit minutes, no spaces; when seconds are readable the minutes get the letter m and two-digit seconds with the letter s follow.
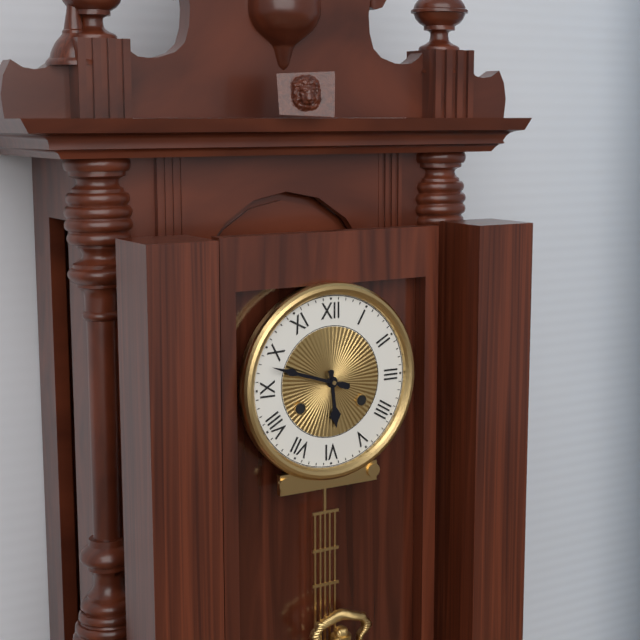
5h48
